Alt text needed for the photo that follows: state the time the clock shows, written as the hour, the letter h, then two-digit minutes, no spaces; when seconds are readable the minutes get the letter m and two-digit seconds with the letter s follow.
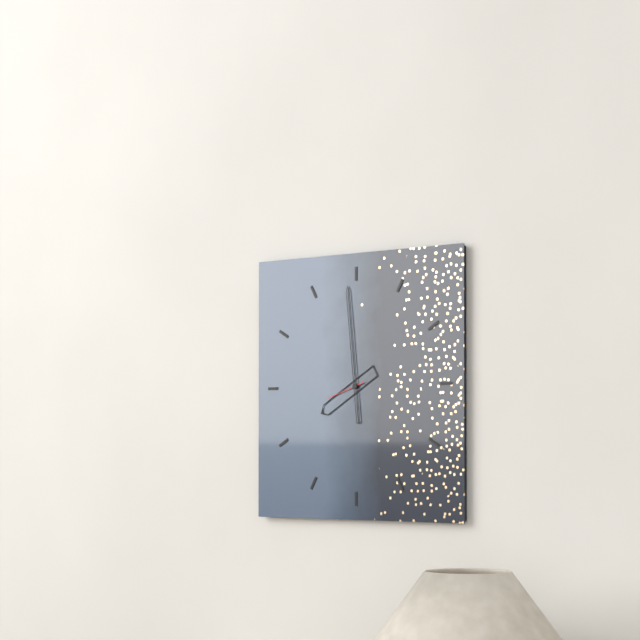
7h59
